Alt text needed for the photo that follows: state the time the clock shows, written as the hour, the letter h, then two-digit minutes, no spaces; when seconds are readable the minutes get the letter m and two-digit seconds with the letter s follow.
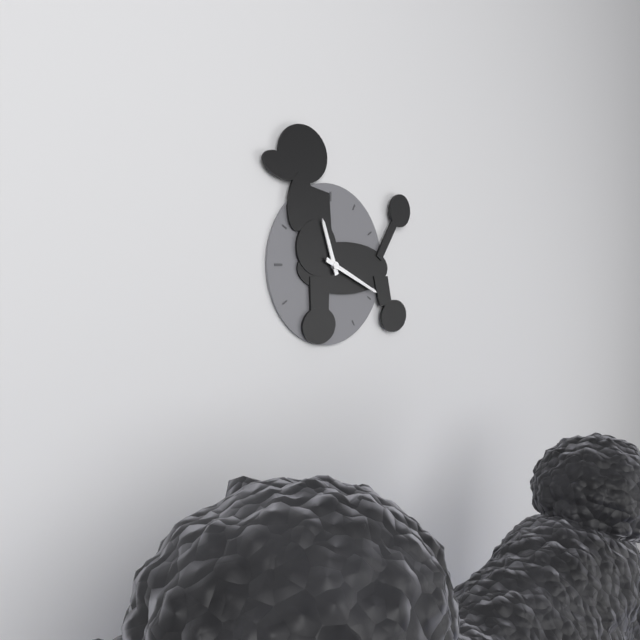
11h19
